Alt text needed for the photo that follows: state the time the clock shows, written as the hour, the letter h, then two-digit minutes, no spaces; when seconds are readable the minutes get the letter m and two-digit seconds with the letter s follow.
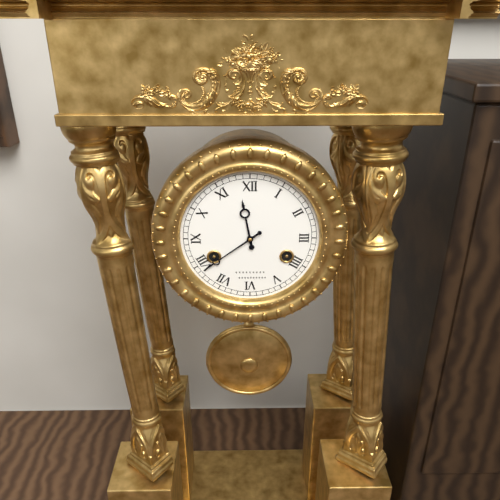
11h39
